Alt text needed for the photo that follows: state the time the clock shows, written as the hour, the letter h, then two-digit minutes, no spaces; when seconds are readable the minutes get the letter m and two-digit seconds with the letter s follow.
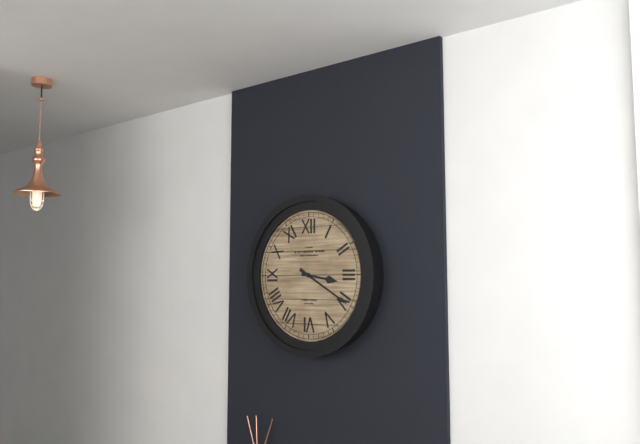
3h20
